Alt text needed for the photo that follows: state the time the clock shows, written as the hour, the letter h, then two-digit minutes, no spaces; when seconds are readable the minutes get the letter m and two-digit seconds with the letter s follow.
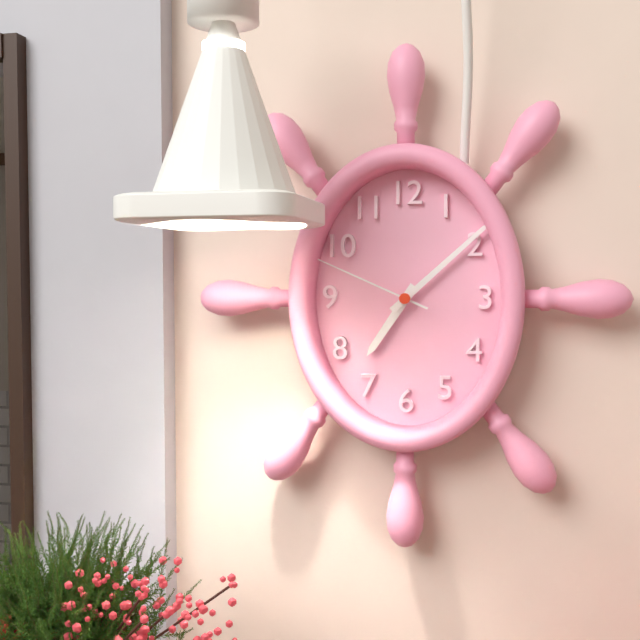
7h08m49s
